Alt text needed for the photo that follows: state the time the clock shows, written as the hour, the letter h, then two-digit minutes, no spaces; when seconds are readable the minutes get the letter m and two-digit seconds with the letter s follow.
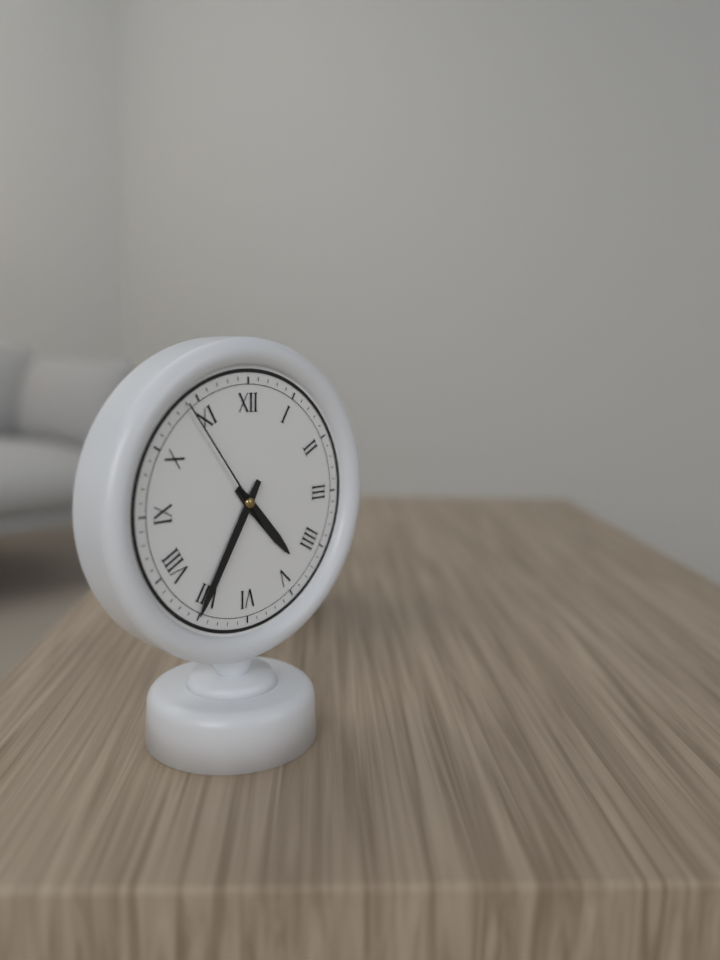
4h35m54s
